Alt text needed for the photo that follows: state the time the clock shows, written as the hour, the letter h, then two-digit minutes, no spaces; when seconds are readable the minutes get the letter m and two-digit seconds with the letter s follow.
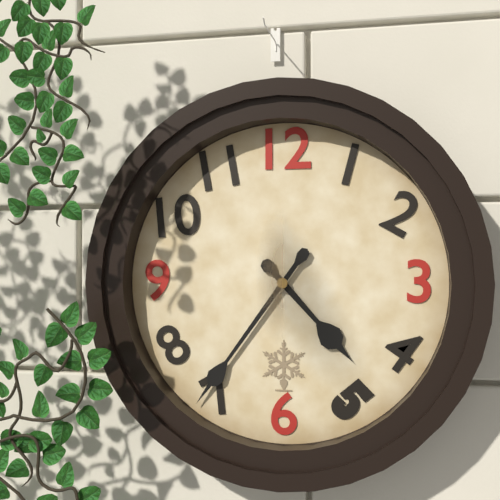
4h36
